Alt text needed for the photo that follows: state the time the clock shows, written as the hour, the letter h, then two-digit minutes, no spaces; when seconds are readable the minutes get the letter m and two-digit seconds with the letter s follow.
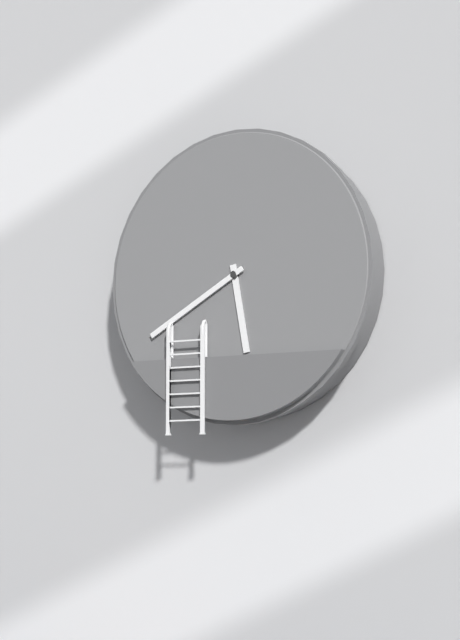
5h40
